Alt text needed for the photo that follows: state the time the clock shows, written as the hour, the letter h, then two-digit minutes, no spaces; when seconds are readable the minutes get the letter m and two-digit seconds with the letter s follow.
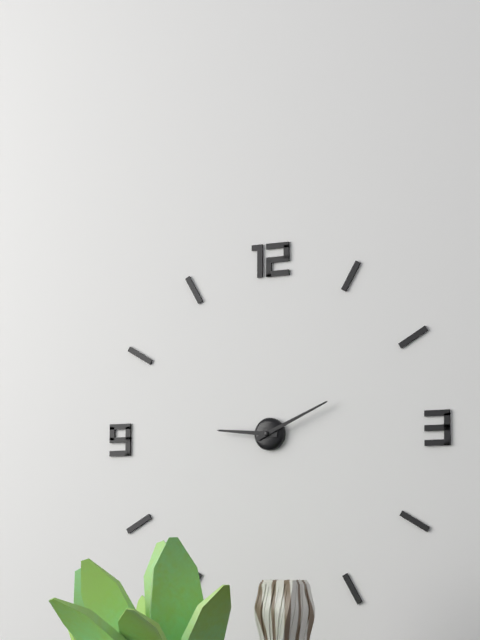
9h11
